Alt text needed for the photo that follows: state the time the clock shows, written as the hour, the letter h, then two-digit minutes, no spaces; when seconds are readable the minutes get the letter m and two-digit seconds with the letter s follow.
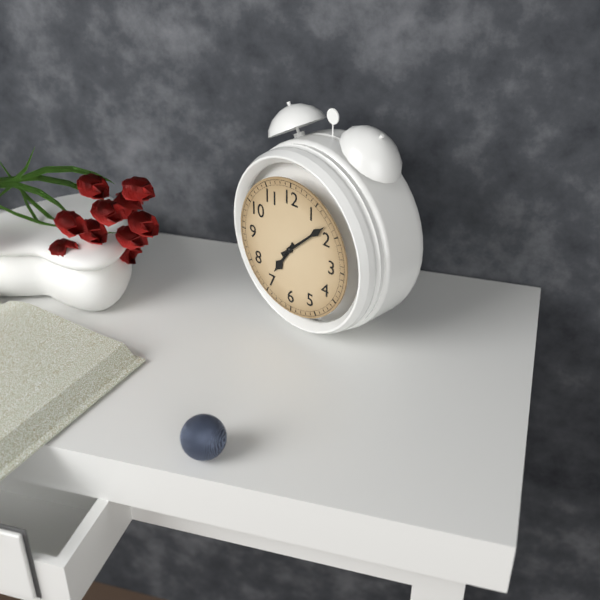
7h08
